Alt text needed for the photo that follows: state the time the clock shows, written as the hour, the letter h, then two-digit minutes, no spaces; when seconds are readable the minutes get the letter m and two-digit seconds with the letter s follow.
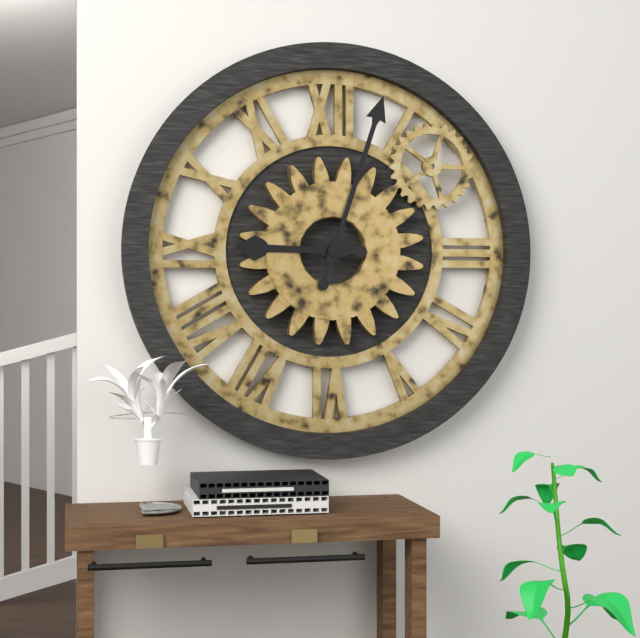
9h03
